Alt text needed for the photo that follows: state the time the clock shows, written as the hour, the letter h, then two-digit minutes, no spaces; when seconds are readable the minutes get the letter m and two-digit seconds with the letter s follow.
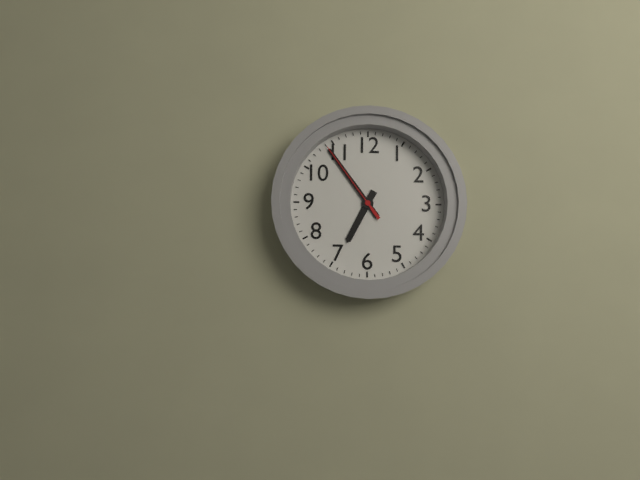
6h54m54s
